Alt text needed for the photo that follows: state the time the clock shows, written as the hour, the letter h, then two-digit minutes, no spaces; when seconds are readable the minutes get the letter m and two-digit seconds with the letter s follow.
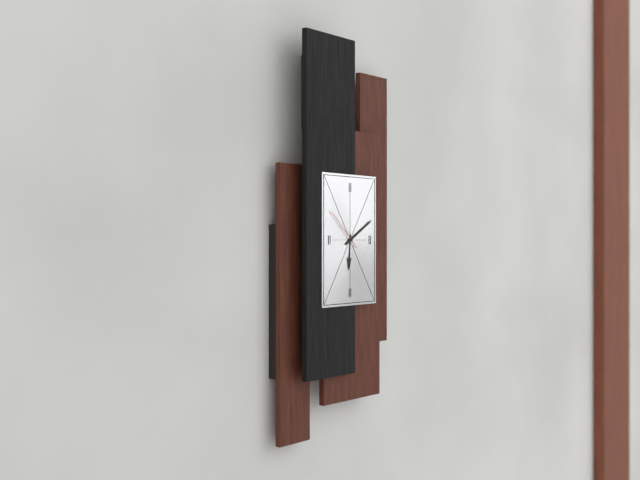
6h10
